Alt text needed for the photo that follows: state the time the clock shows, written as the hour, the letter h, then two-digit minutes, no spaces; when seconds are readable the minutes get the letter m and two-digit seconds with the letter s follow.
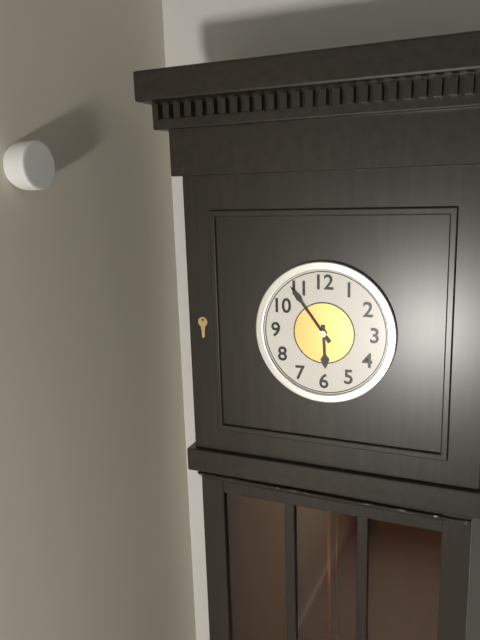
5h54
